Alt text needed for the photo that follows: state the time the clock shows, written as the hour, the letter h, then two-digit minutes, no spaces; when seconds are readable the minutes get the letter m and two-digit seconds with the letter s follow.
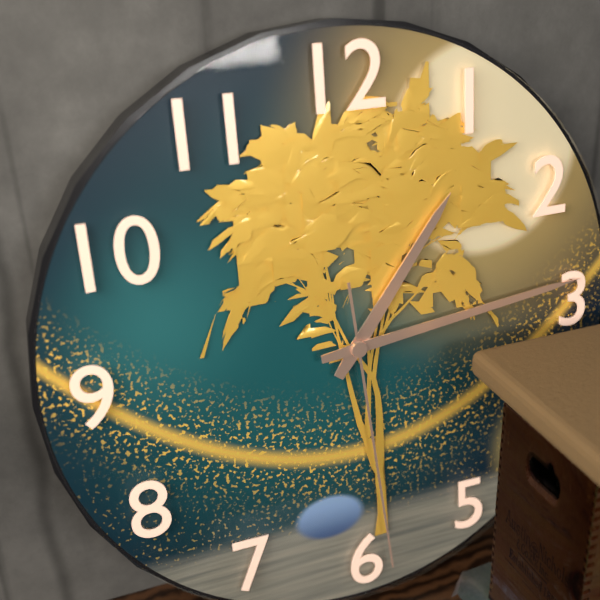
1h14m29s
